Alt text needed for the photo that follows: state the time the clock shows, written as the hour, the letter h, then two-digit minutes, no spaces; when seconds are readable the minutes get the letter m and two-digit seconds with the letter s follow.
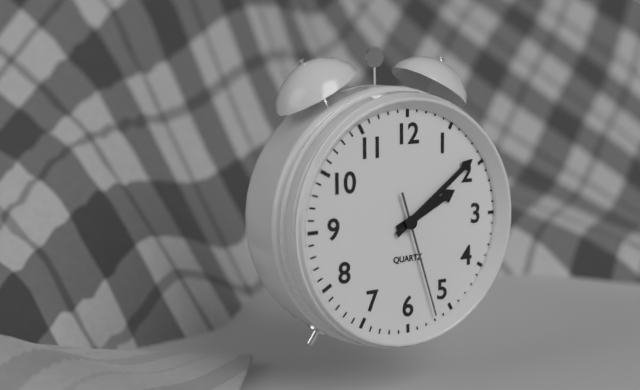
2h09m27s
